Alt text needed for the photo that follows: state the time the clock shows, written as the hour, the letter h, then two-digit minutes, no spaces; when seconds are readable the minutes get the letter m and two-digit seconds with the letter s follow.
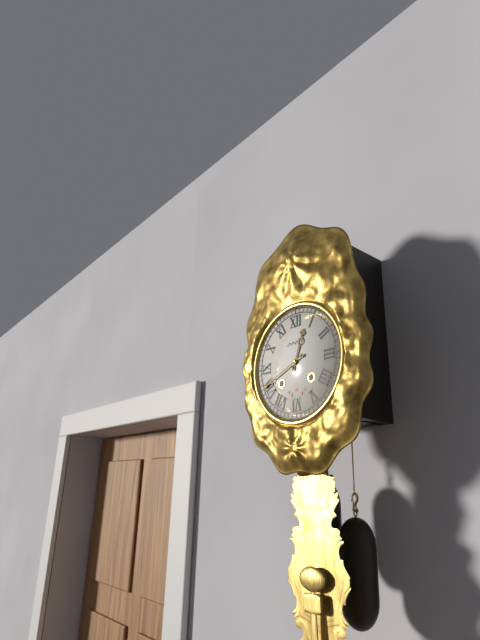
12h41
